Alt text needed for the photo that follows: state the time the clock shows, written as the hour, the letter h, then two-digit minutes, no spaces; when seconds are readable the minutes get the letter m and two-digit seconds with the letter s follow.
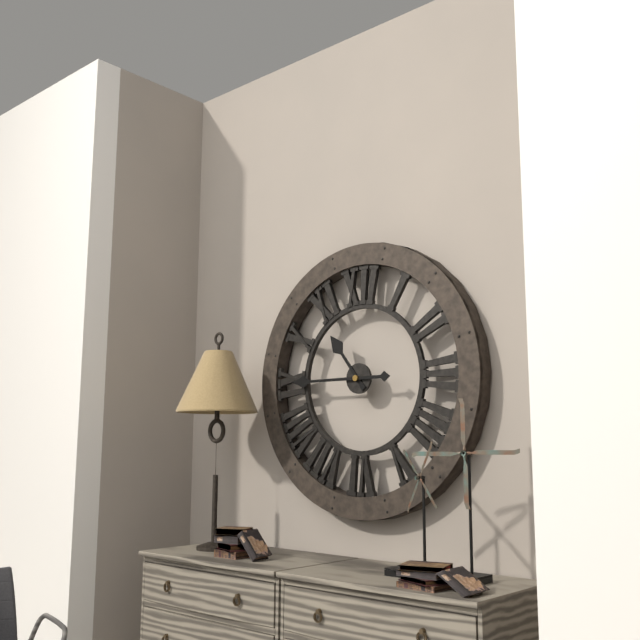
10h45
